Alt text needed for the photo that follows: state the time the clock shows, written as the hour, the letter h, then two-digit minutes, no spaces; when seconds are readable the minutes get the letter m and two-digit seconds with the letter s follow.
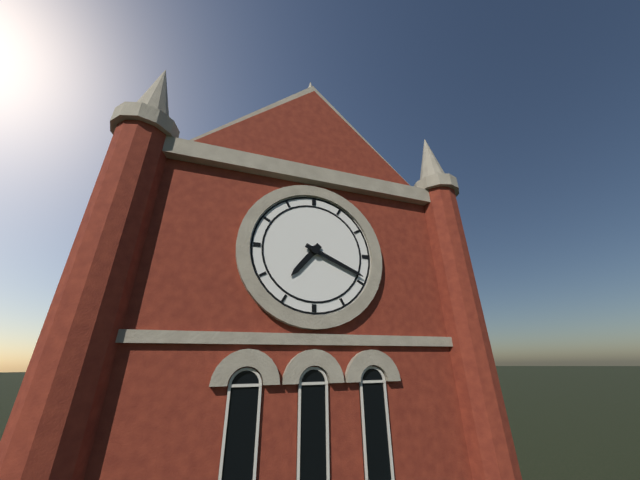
7h19
